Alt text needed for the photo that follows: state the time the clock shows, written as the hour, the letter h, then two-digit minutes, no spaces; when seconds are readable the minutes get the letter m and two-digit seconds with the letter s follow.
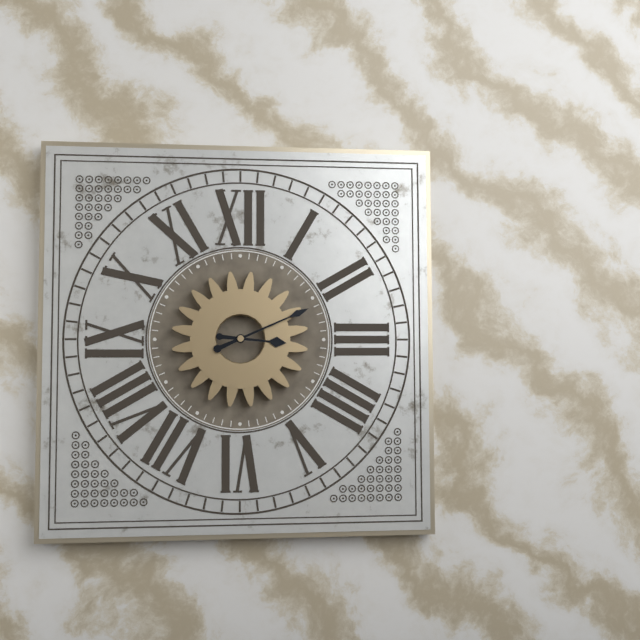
3h11
